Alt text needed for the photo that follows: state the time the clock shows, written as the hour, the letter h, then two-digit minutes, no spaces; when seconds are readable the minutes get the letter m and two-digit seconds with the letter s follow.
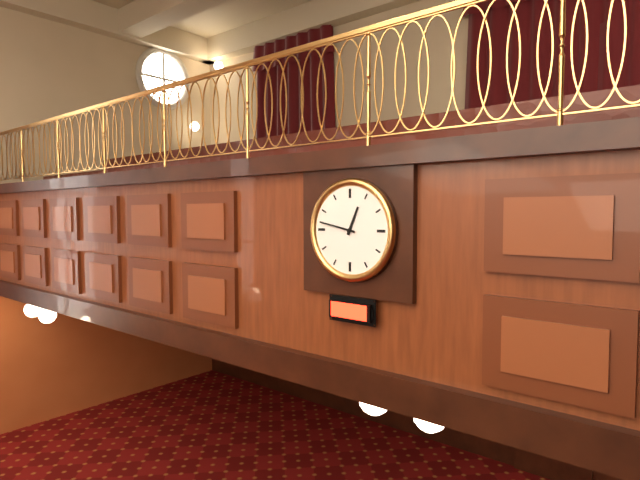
12h47
